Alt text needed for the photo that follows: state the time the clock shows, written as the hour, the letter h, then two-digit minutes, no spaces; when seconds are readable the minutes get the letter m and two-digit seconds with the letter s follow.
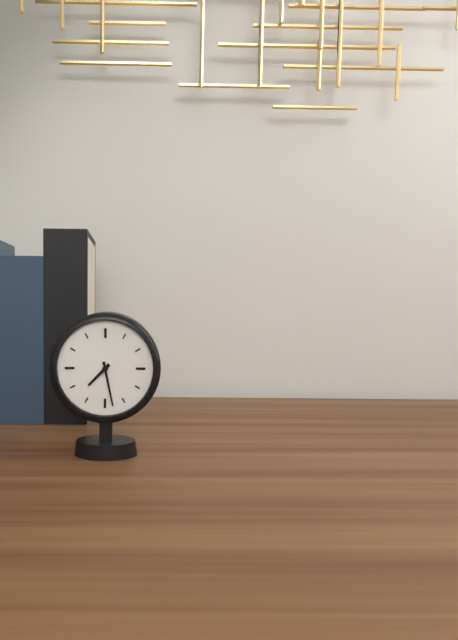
7h28
